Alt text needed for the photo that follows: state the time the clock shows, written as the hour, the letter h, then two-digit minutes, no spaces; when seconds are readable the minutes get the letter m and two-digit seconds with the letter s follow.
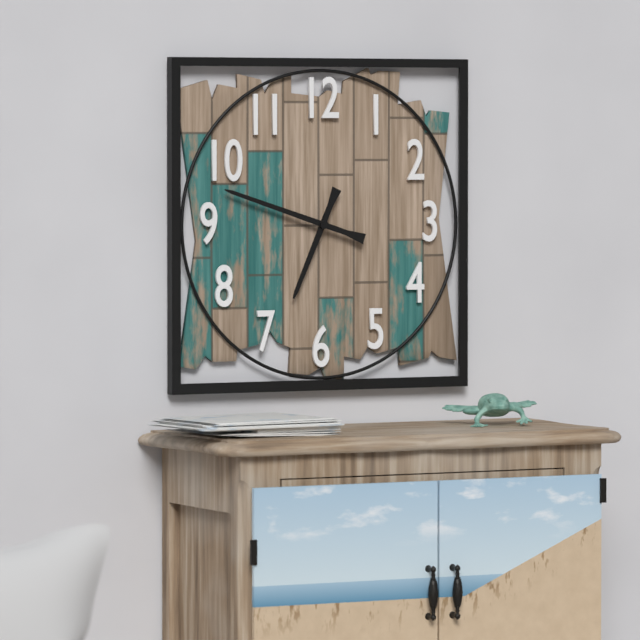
6h48
